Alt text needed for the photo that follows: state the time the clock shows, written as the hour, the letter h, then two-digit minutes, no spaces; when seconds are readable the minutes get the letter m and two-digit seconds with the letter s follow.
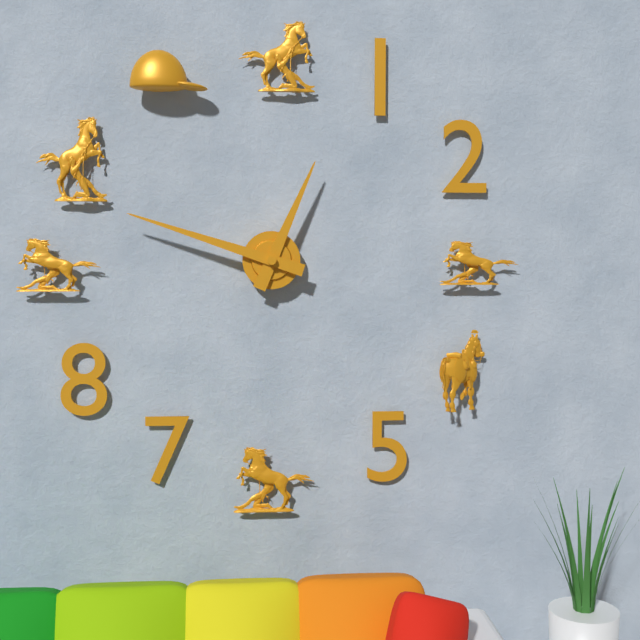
12h48
